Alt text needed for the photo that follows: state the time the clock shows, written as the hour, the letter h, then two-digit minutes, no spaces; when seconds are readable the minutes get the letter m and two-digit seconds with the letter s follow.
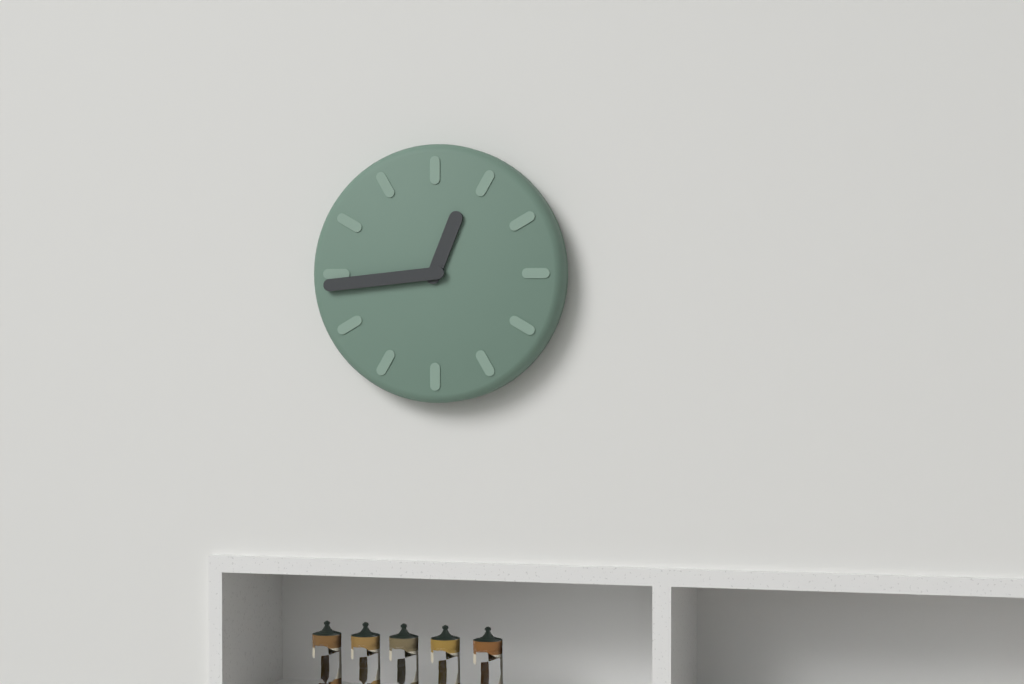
12h44
